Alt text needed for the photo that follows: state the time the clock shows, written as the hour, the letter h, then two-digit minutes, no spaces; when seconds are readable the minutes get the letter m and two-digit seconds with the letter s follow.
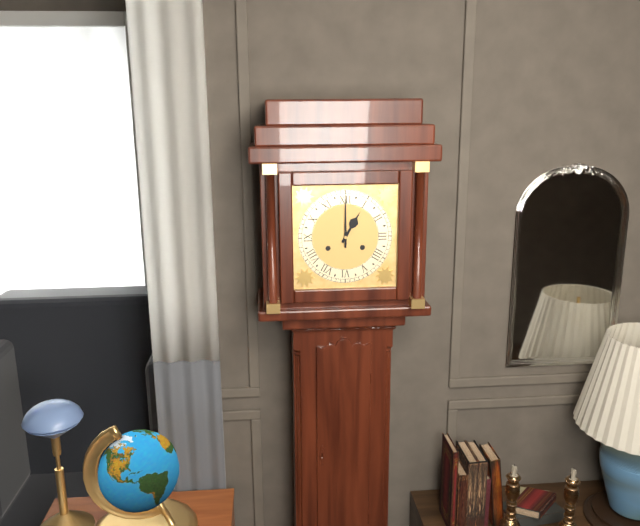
1h00
